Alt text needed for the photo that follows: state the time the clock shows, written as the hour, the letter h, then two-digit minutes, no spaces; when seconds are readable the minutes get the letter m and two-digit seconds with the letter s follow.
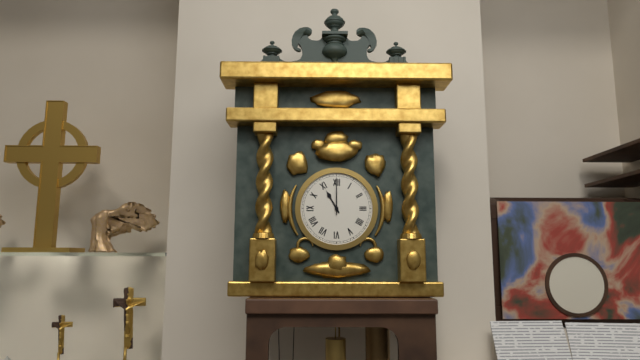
11h00
